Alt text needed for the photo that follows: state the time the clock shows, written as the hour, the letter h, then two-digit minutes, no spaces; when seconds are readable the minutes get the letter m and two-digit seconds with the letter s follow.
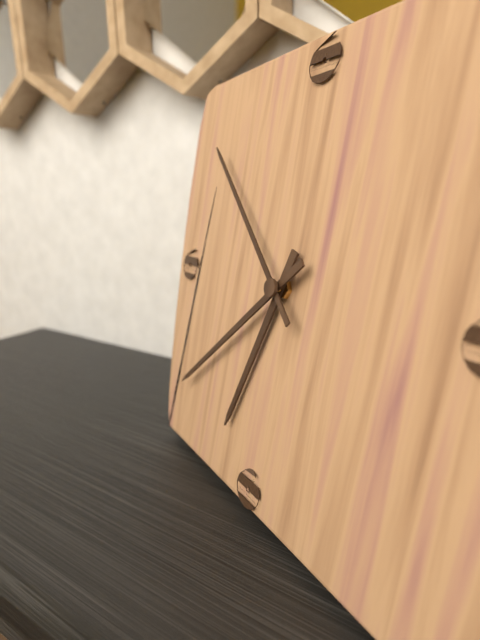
6h38m52s
